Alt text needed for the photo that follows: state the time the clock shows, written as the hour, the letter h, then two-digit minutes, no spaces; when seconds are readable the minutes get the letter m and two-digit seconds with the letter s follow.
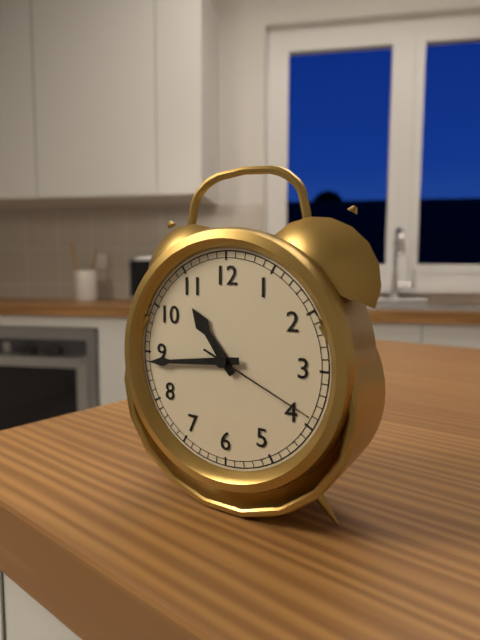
10h44m19s
